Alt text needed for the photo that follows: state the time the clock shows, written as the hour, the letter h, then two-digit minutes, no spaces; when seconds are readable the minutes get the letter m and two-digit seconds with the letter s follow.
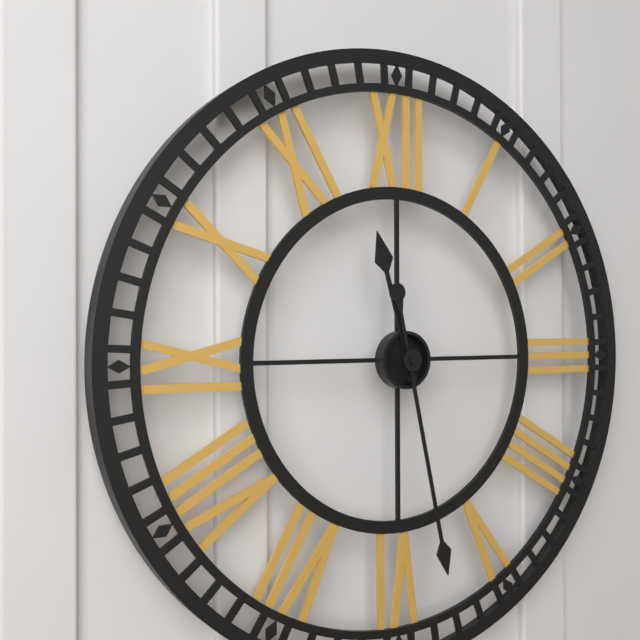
11h28
